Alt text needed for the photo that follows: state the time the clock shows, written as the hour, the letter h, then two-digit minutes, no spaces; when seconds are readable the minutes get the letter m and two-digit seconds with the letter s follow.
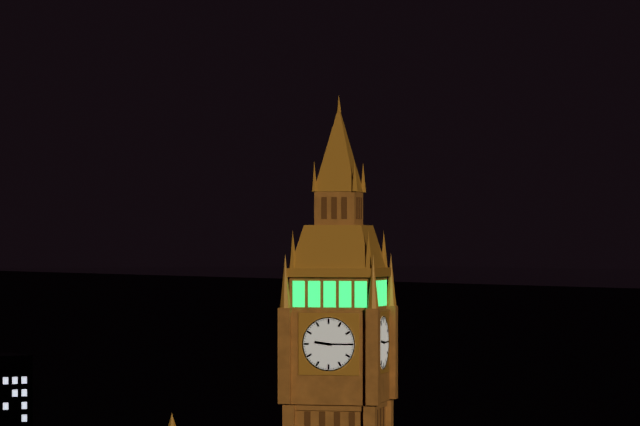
9h15
